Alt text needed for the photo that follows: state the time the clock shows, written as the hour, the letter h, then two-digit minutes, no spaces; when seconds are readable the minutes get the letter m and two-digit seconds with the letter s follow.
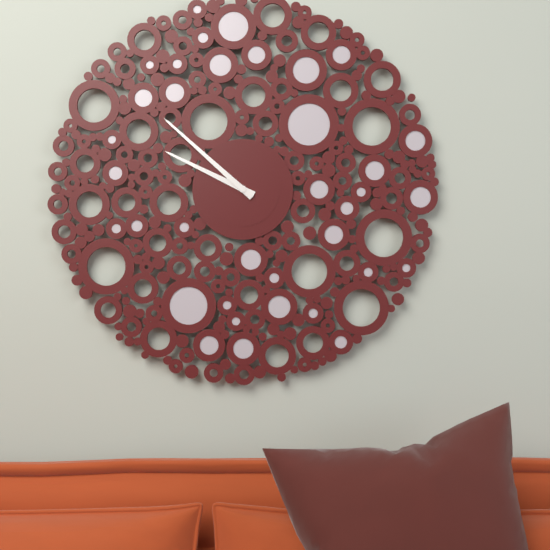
9h52
